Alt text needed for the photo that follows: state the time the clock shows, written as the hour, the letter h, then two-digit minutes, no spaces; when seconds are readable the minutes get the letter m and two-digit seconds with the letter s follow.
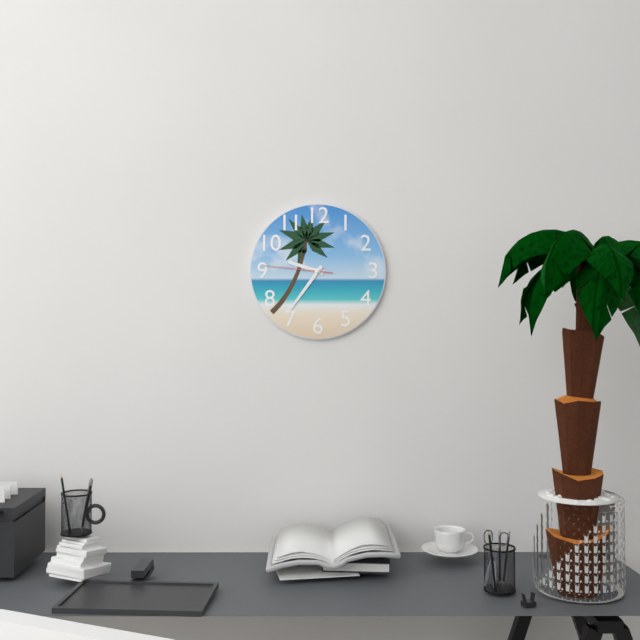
9h36m46s
